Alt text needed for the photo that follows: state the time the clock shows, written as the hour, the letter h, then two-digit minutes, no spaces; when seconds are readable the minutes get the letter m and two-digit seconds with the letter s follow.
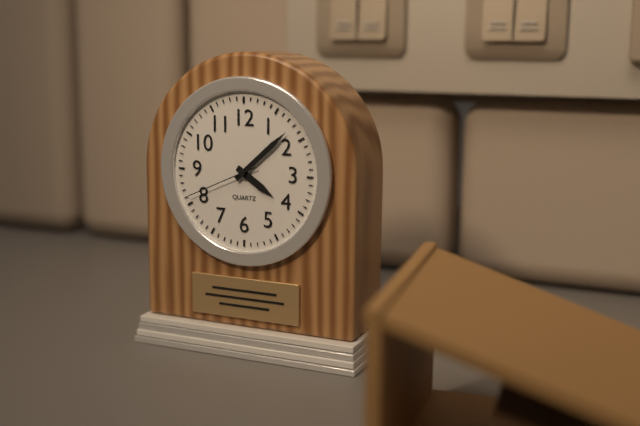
4h08m41s
